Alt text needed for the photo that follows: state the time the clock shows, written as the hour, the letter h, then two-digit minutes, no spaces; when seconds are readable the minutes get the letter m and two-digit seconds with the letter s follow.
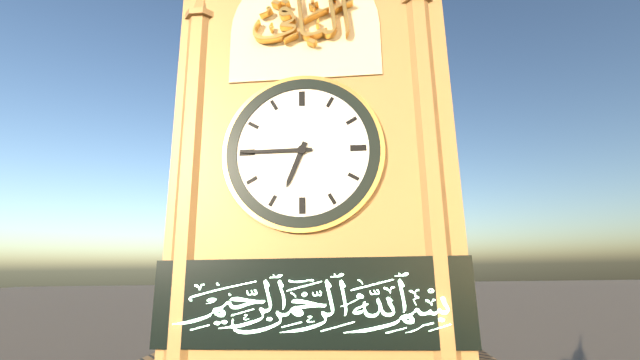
6h45
